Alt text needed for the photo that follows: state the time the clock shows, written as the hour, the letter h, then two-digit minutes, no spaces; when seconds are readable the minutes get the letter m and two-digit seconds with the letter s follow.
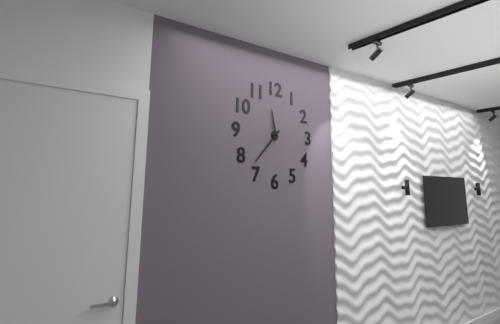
11h37
